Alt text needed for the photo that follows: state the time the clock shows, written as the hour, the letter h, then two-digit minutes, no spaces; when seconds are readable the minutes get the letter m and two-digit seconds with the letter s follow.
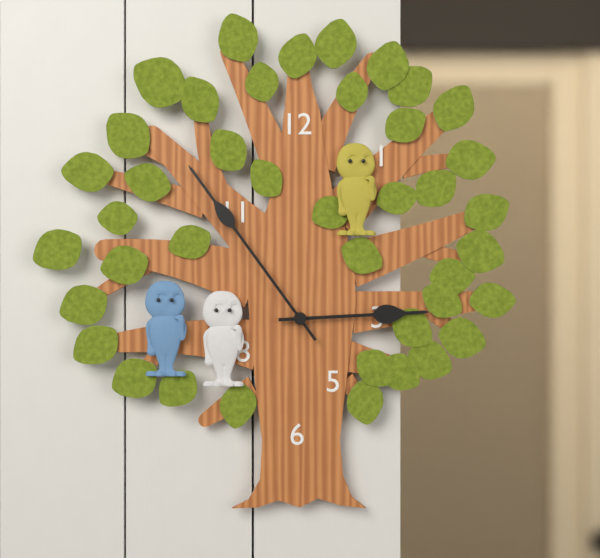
2h54
